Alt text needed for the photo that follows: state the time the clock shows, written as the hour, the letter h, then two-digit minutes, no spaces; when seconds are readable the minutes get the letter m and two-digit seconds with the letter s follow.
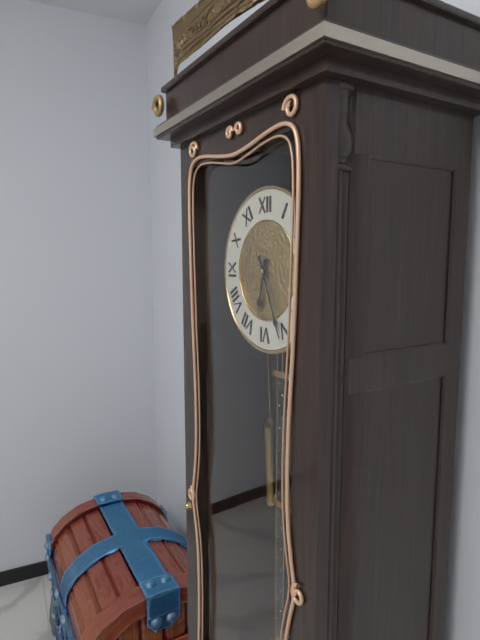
6h26
